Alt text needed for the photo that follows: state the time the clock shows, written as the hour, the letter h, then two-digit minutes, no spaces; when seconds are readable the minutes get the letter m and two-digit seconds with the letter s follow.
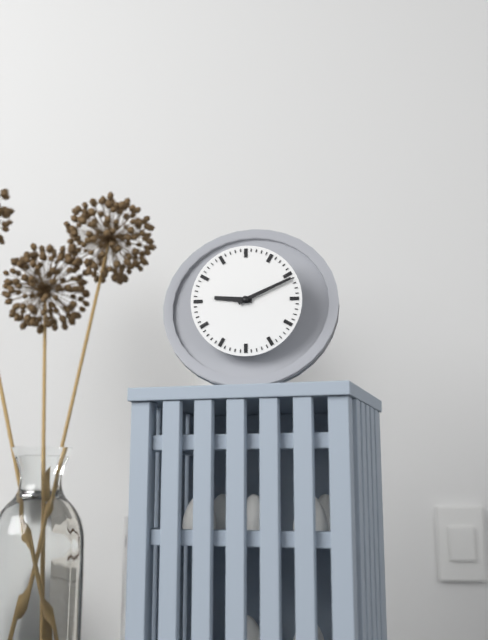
9h11
